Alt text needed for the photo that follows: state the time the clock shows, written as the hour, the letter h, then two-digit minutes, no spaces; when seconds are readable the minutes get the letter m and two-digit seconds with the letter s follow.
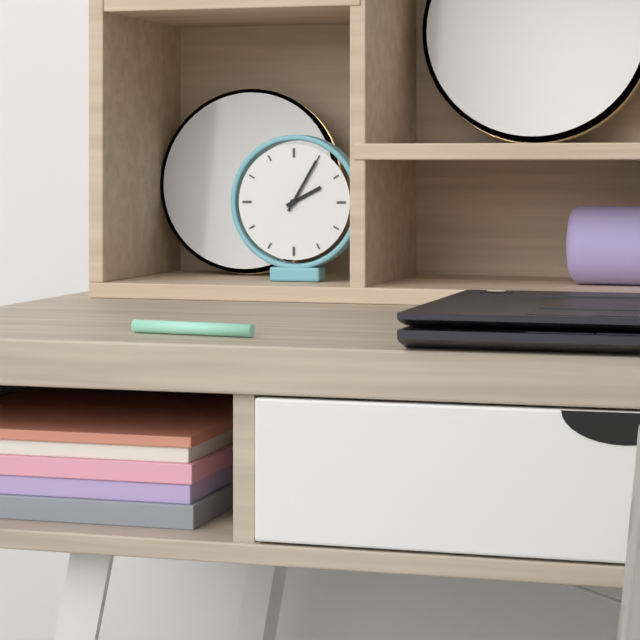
2h05
